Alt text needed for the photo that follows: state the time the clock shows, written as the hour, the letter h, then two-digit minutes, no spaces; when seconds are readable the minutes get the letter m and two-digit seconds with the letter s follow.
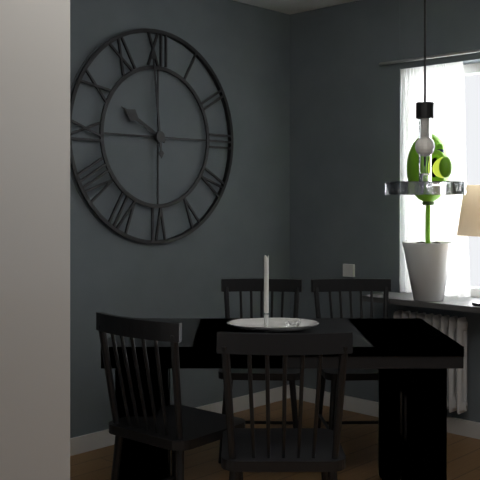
9h59
